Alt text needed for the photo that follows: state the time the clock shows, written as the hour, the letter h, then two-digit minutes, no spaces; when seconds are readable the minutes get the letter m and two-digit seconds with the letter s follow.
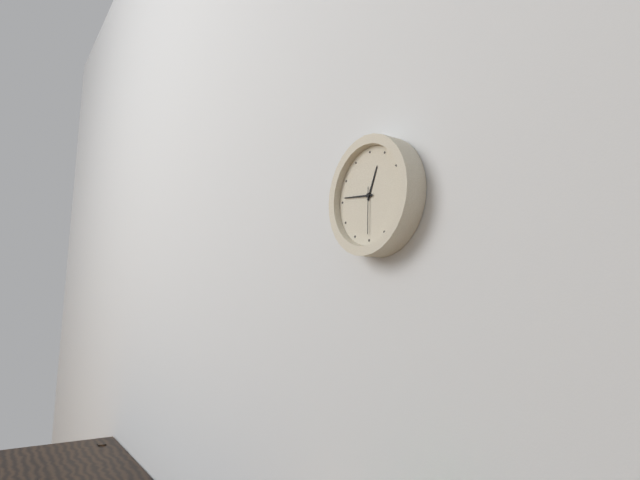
12h46
